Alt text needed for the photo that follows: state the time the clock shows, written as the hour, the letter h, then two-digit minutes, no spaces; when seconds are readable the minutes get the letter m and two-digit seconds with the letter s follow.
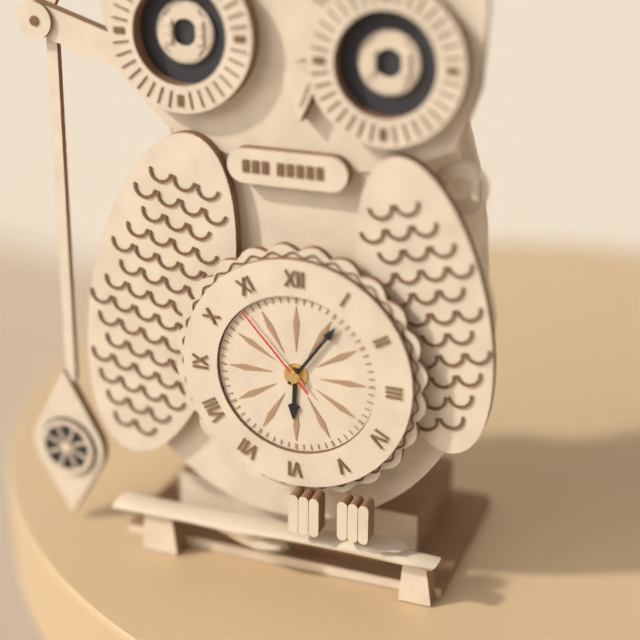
6h06m53s
